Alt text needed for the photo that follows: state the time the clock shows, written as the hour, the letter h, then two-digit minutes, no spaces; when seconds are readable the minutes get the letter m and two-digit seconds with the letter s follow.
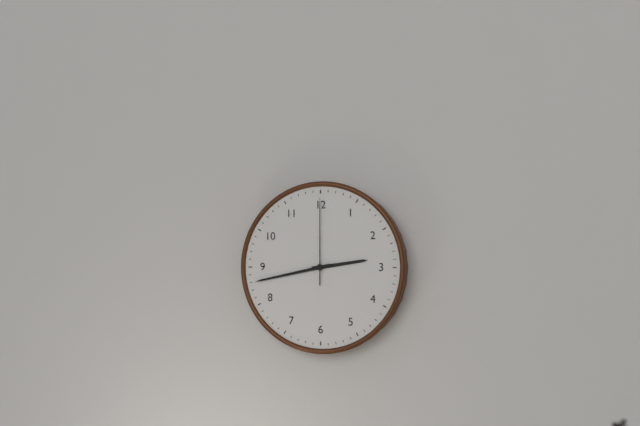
2h43m00s
